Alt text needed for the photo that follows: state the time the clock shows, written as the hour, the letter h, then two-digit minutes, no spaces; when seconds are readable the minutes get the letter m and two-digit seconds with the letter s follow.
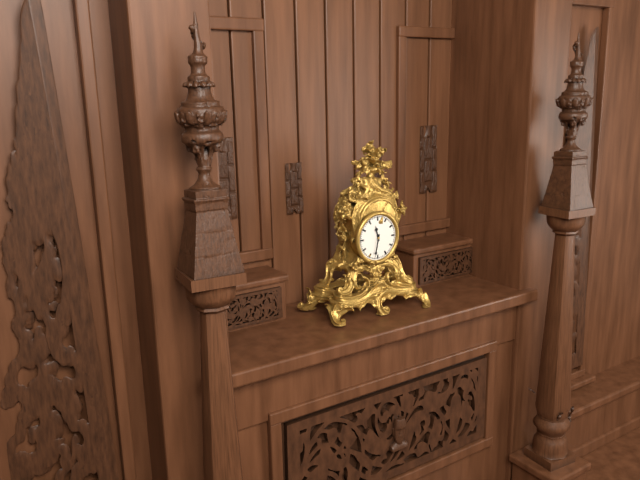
11h32
